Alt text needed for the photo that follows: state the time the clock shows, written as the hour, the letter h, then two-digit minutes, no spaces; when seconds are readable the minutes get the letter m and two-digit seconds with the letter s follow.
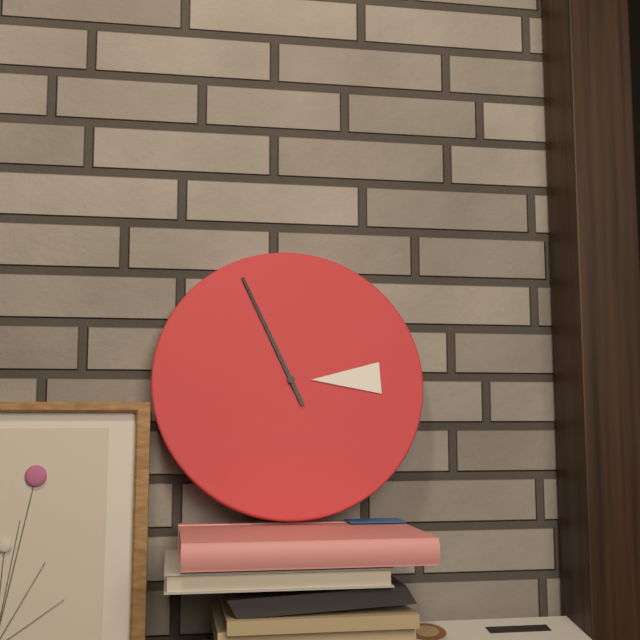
2h56
